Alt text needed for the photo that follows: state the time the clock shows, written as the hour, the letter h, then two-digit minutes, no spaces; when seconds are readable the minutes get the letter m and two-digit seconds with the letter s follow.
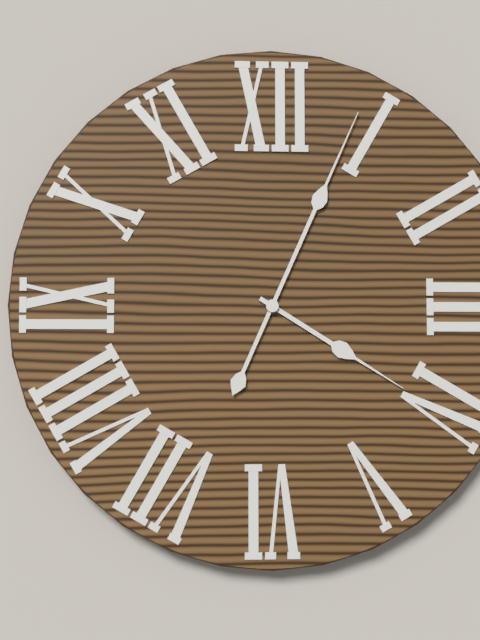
4h04
